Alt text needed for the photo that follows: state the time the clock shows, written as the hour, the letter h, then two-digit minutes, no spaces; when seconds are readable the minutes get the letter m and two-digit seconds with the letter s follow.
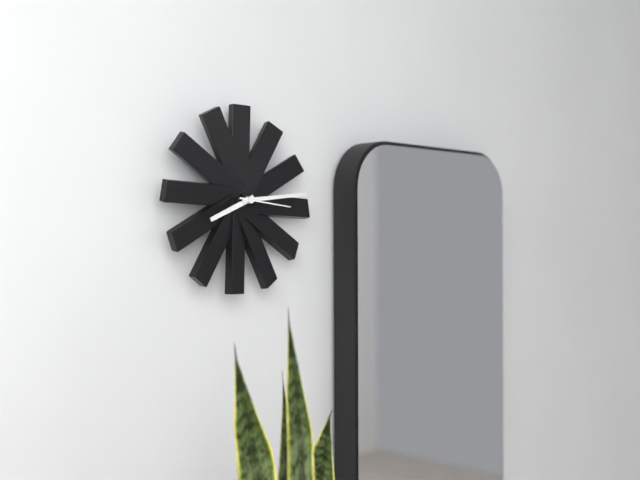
8h14m16s
